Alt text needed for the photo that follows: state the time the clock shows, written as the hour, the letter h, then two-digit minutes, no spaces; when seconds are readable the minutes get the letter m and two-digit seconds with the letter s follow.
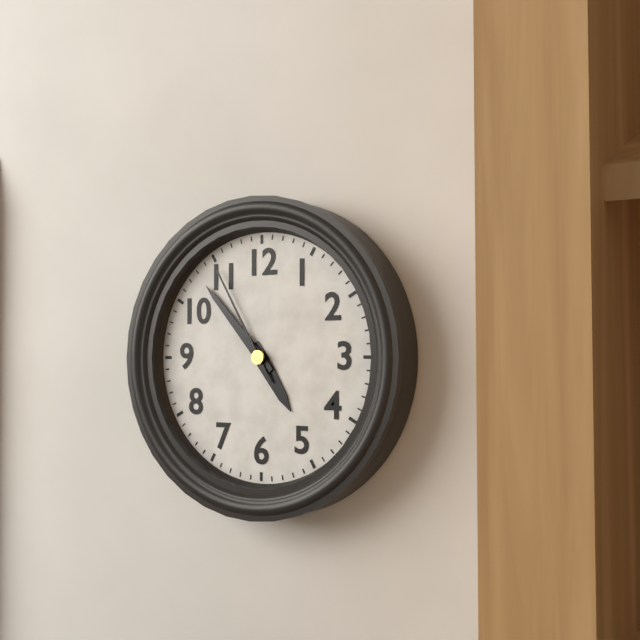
4h53m55s
